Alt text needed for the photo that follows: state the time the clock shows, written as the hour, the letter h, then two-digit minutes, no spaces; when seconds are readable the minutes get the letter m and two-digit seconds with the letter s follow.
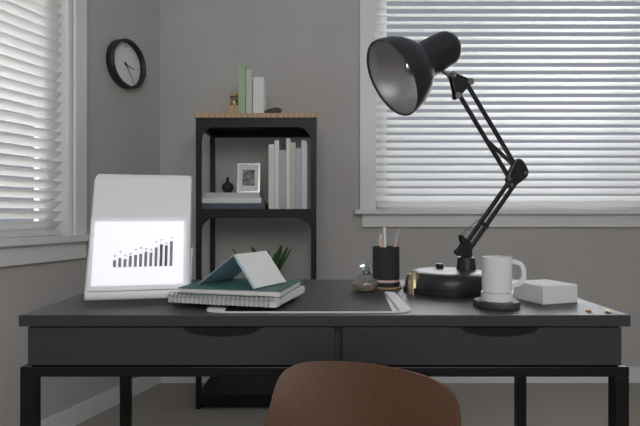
3h24
